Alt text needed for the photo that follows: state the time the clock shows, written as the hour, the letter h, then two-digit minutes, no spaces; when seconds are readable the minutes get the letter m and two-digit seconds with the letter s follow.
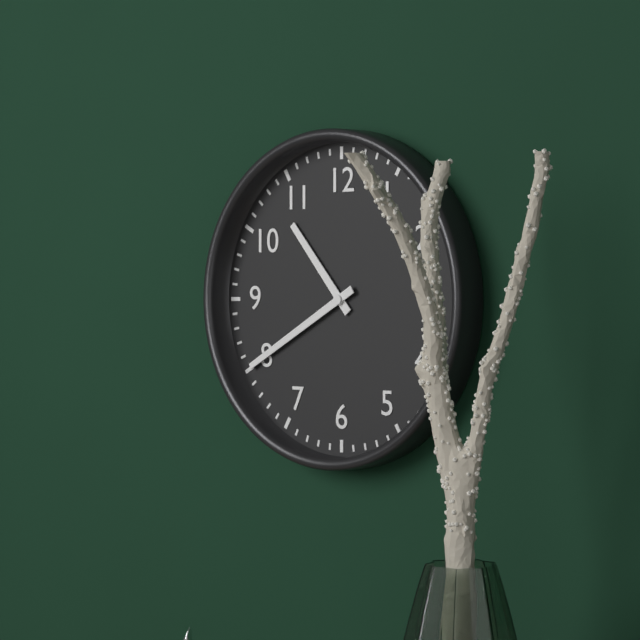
10h40
